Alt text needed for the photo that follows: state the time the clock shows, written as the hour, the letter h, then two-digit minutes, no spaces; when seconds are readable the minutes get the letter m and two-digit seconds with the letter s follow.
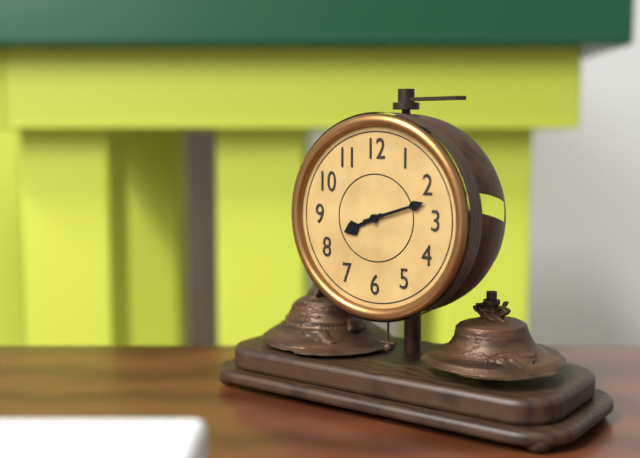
8h12
